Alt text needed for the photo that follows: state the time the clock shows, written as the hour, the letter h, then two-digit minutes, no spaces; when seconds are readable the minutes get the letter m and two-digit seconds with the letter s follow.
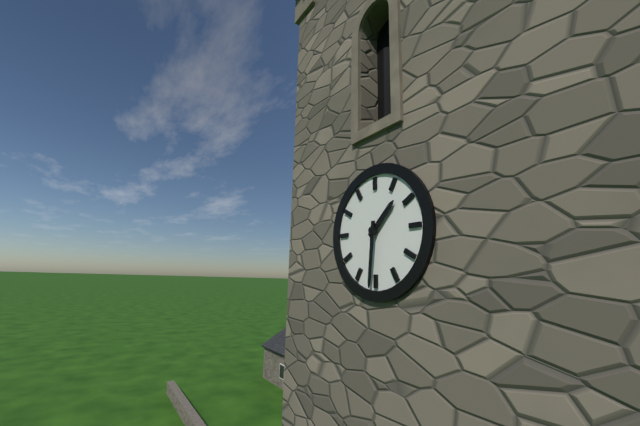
1h31
